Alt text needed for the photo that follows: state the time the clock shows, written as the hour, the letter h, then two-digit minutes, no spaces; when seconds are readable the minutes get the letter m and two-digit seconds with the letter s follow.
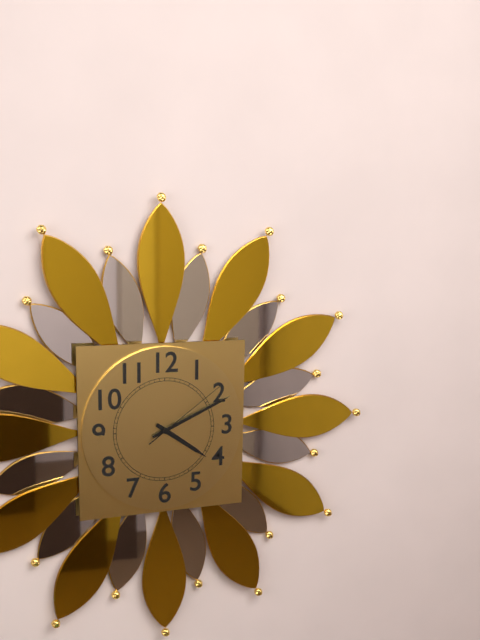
4h11m09s
